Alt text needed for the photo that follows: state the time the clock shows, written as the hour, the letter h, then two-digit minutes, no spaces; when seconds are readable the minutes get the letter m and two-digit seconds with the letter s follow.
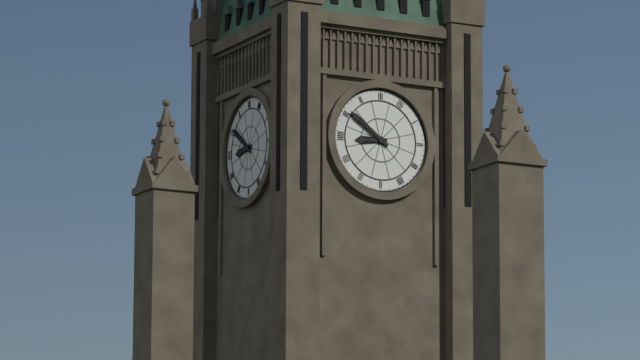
8h51
